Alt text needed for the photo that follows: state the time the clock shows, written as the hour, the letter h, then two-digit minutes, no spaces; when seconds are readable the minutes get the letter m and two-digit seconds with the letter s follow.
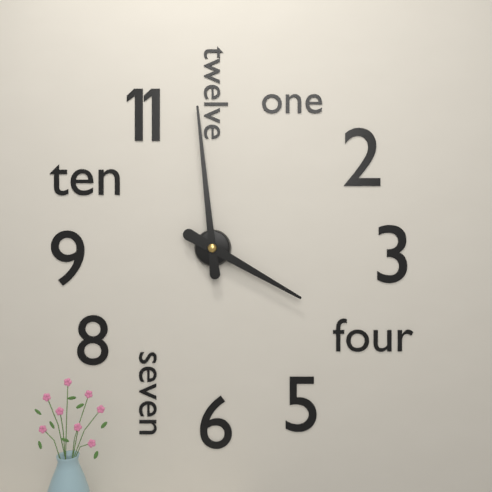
3h59
